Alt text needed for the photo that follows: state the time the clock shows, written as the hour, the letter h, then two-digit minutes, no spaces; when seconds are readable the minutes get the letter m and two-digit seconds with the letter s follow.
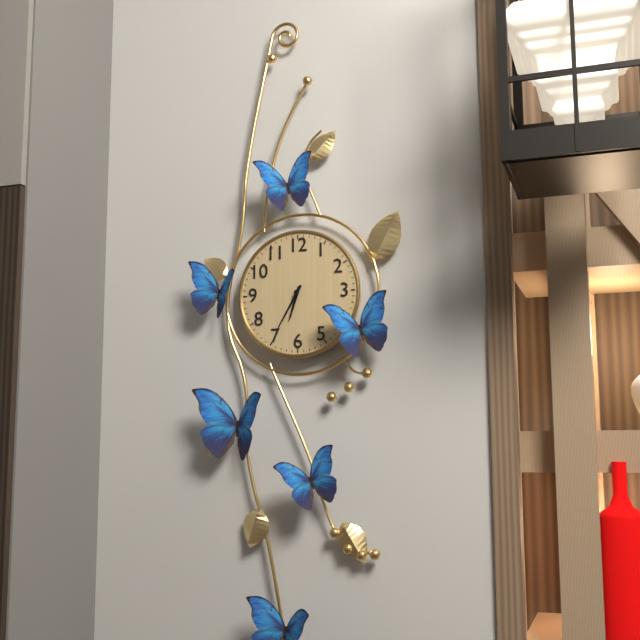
6h35
